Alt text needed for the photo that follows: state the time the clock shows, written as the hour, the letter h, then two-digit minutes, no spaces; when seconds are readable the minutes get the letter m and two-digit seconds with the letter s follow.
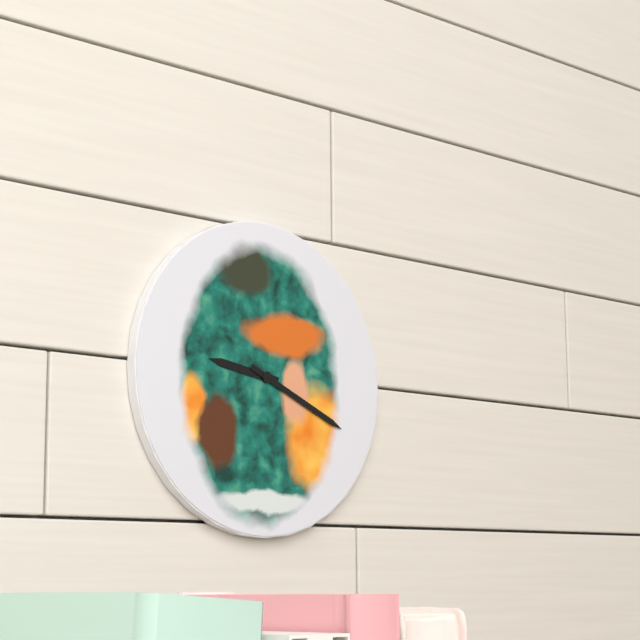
9h19
